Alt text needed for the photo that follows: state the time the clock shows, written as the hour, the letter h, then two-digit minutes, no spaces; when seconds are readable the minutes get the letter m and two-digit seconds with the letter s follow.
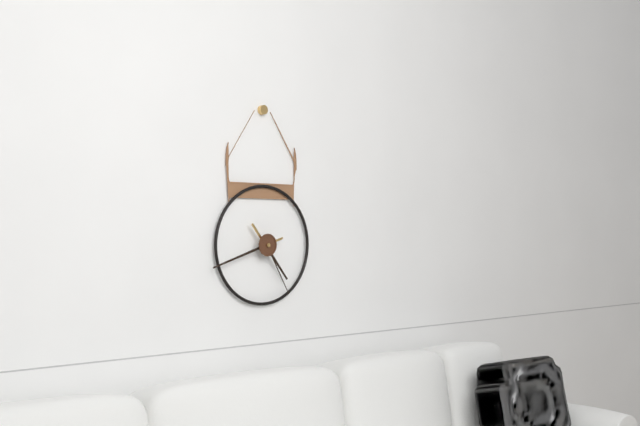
4h42m25s
